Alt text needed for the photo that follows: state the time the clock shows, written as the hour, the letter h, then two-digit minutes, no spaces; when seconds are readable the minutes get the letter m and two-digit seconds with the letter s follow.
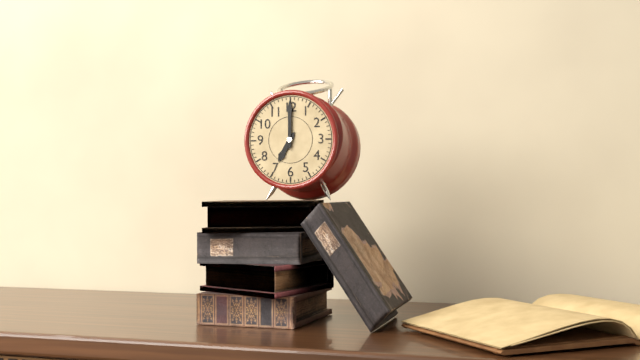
7h00
